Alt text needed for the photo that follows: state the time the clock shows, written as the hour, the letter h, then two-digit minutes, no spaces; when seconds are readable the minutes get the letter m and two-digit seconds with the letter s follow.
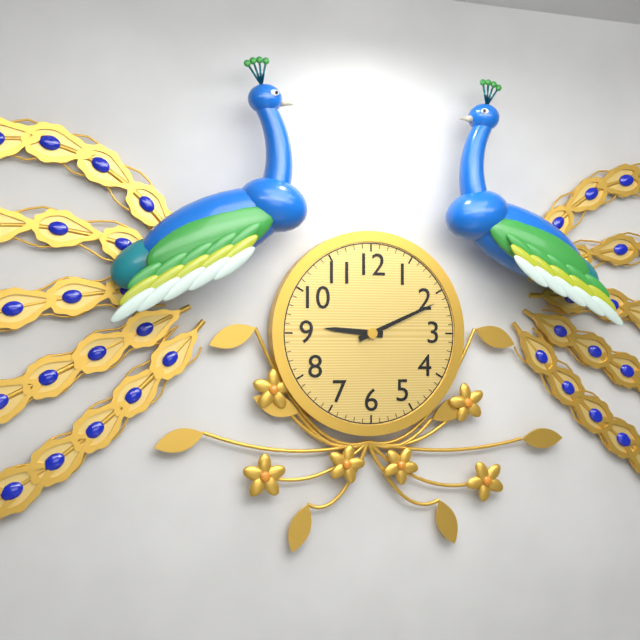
9h11
